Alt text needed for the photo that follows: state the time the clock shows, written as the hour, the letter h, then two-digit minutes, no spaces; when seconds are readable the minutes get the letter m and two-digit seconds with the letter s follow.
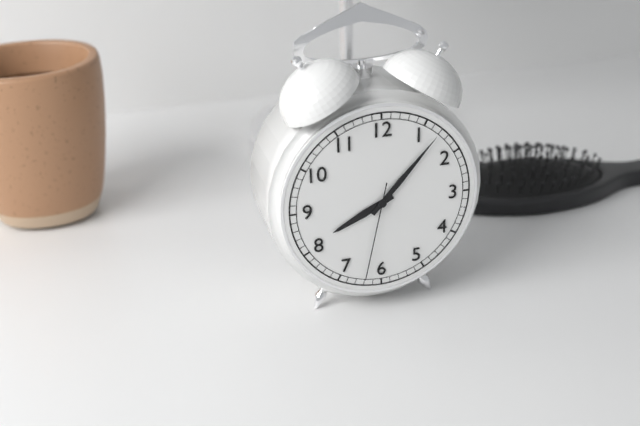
8h07m32s
